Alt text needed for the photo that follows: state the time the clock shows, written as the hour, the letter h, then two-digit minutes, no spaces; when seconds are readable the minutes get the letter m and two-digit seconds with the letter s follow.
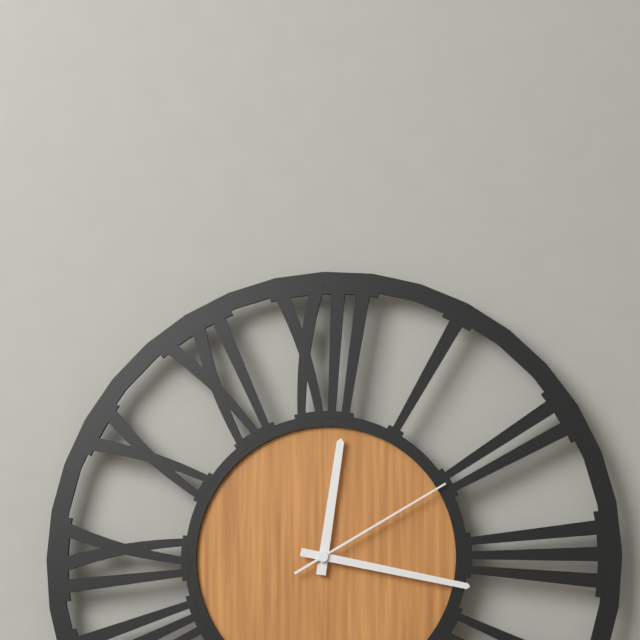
12h17m10s
